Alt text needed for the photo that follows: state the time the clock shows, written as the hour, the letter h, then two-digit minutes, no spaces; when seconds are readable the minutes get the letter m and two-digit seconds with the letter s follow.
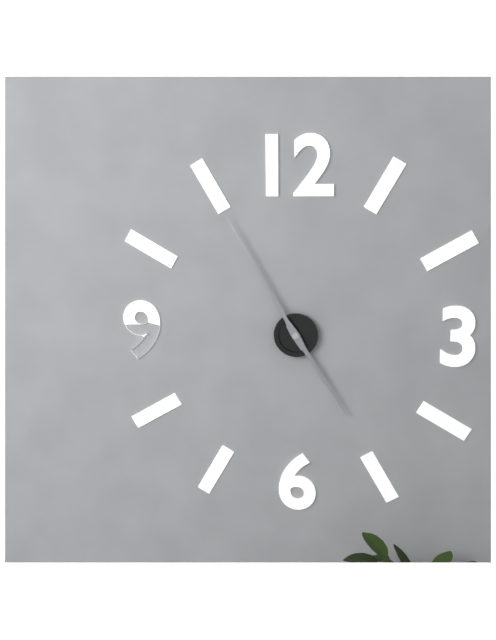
4h55
